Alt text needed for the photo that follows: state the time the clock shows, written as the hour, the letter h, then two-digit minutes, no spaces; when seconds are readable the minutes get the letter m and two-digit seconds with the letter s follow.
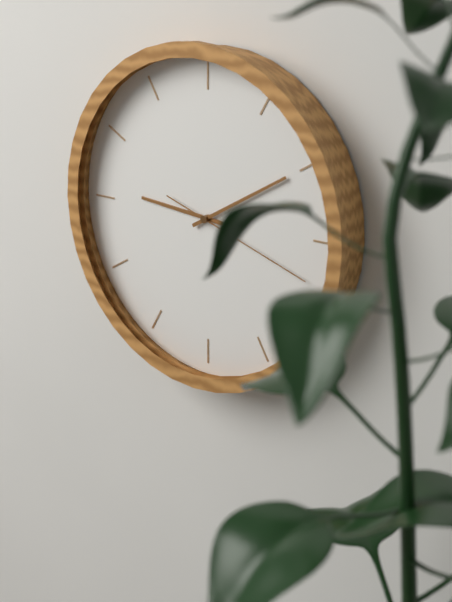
9h10m18s
